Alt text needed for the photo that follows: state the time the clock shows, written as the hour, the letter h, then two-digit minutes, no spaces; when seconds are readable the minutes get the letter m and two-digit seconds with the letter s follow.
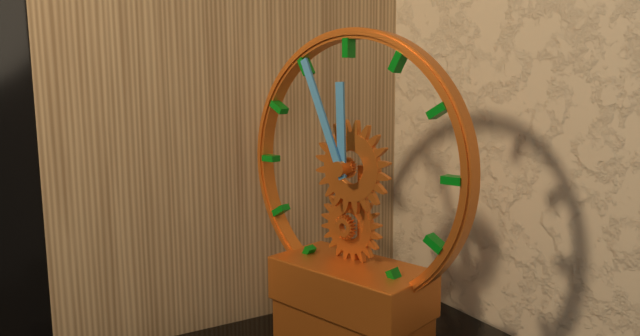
11h56
